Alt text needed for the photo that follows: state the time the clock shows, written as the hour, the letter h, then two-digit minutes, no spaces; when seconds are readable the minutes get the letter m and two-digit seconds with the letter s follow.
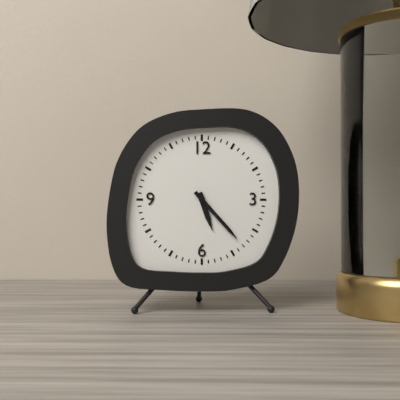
5h23
